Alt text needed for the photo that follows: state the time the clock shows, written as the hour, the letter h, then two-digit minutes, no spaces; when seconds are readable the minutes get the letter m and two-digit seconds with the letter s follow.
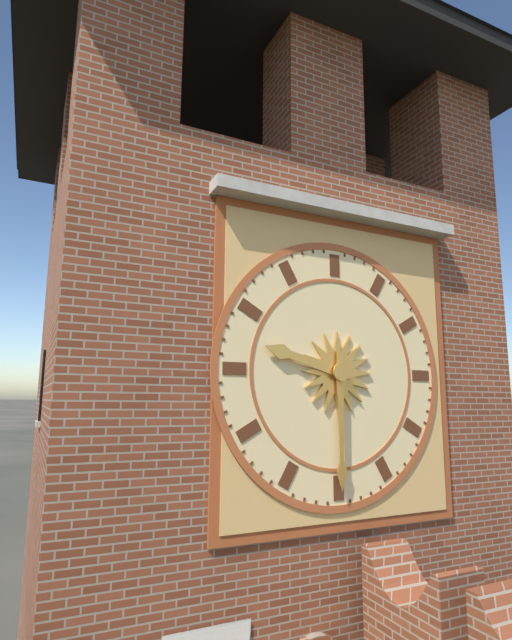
9h30
